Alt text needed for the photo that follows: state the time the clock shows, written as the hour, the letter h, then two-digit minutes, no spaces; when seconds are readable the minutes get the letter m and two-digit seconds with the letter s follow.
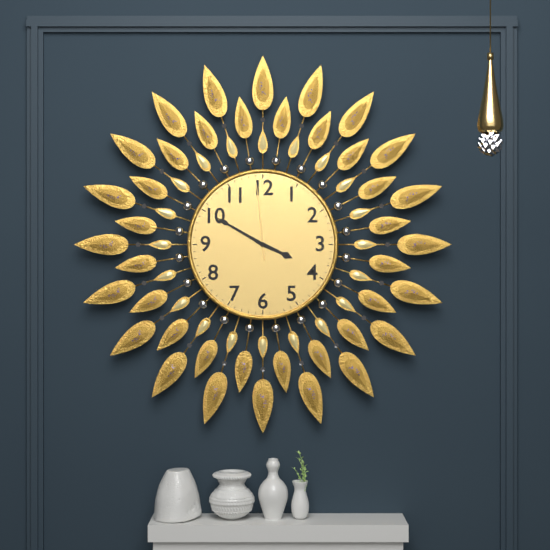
3h50m59s
